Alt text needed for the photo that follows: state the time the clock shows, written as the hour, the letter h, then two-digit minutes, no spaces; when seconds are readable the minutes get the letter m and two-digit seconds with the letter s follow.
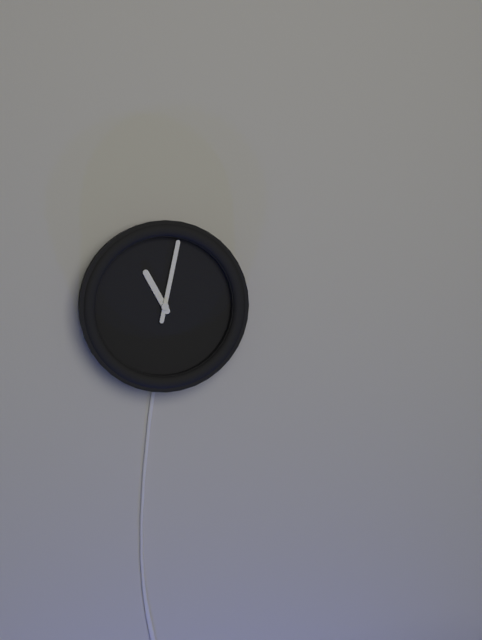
11h02
